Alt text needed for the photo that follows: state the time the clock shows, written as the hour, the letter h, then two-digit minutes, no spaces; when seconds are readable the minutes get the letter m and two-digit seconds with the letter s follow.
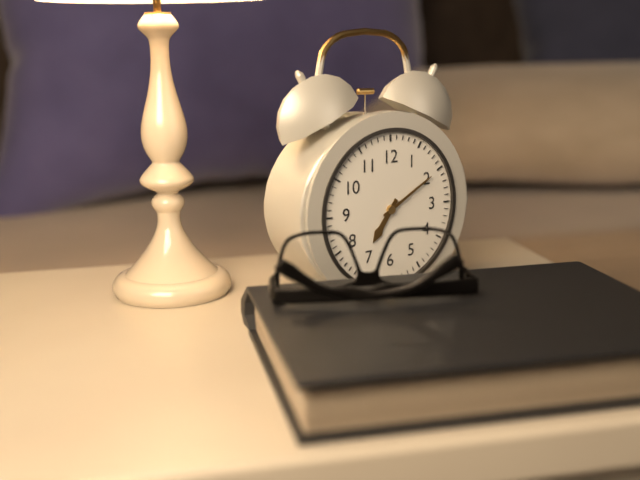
7h10
